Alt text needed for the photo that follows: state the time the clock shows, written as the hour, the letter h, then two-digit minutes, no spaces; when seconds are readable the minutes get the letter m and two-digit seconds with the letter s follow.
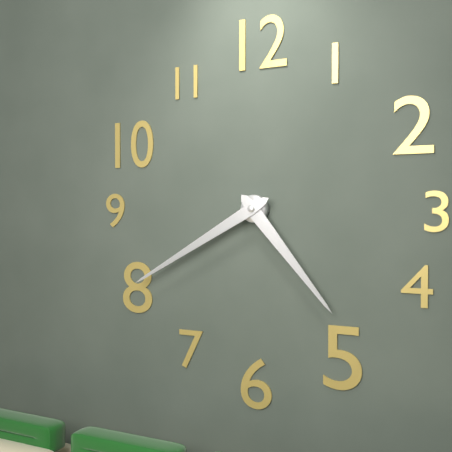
4h40
